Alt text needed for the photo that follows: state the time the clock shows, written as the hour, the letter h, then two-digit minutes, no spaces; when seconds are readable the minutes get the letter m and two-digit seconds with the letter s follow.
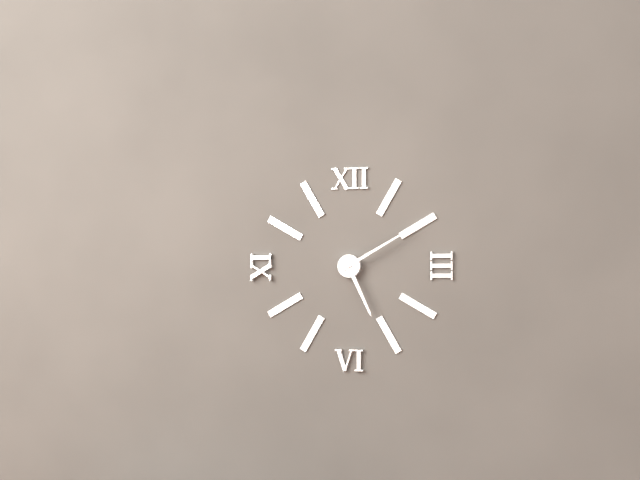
5h10
